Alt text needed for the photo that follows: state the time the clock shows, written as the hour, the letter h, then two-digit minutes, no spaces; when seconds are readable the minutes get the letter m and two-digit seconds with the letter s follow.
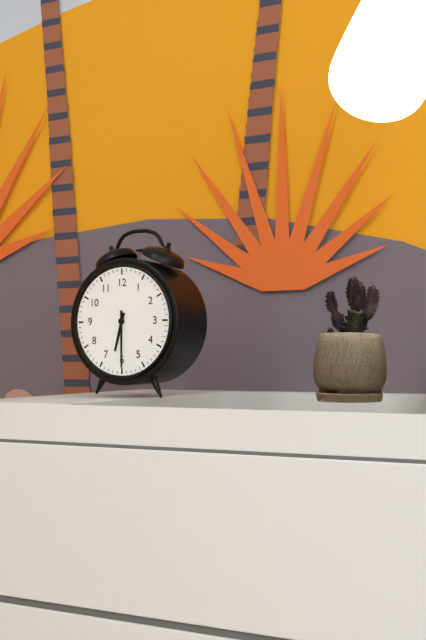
6h30
